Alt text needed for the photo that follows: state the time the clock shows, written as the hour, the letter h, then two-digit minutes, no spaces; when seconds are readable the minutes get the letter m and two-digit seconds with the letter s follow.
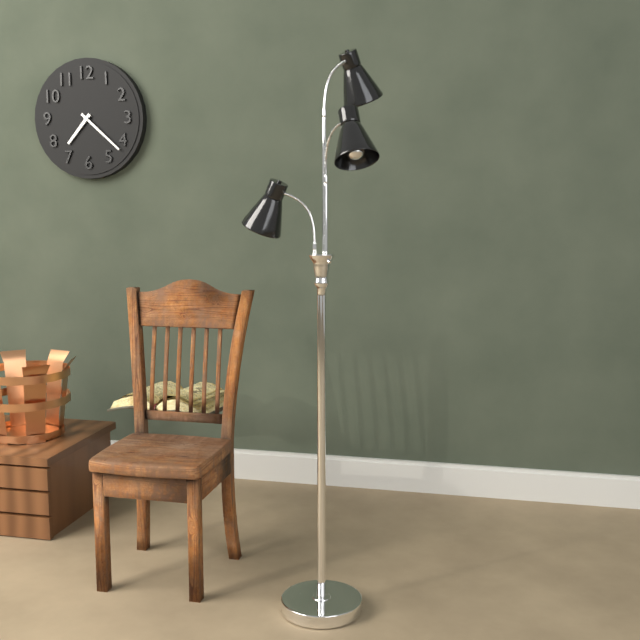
7h22
